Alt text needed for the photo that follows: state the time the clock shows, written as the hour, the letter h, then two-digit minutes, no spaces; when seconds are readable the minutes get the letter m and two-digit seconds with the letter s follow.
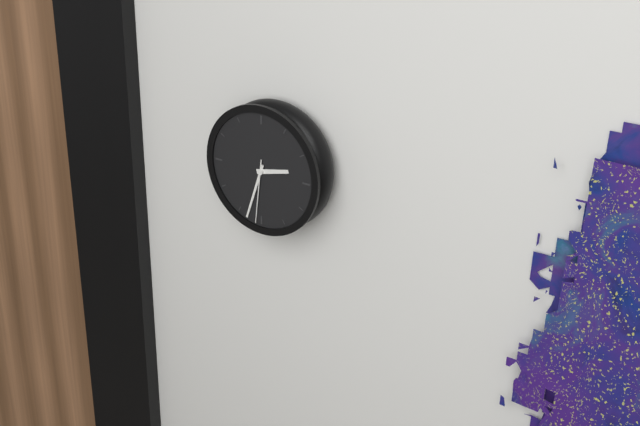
2h33m31s
